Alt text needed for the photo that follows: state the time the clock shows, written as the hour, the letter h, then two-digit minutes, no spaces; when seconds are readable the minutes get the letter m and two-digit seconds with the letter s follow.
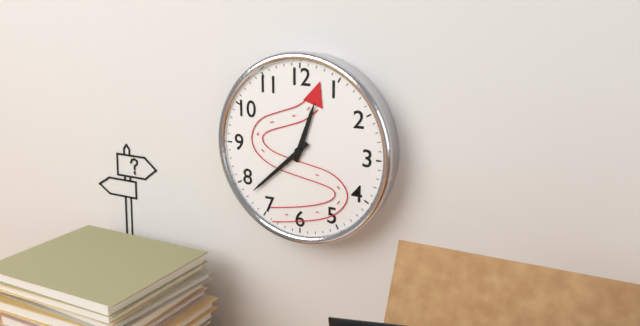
12h38
